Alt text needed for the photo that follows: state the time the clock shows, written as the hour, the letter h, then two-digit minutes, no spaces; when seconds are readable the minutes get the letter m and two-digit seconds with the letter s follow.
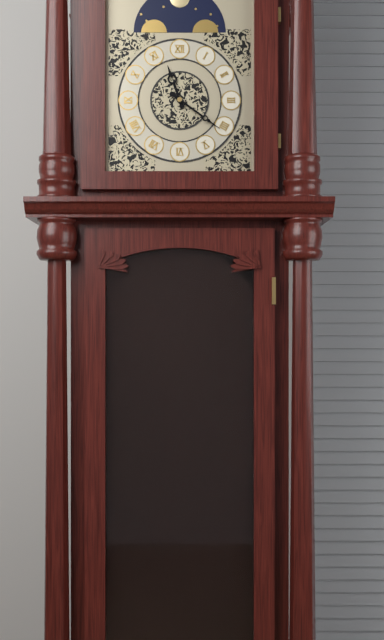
11h21
